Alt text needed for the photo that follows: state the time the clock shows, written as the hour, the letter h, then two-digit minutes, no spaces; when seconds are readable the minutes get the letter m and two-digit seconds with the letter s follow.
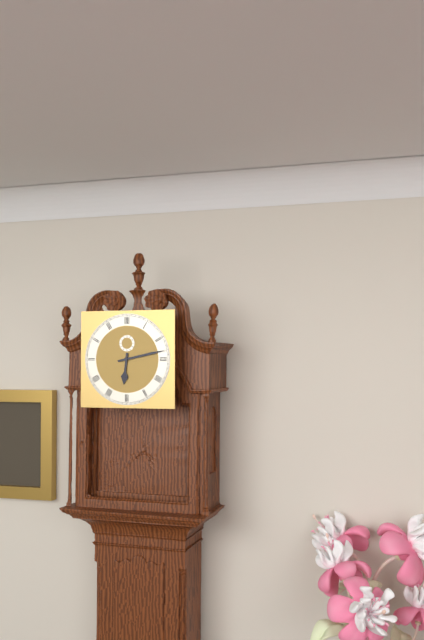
6h13
